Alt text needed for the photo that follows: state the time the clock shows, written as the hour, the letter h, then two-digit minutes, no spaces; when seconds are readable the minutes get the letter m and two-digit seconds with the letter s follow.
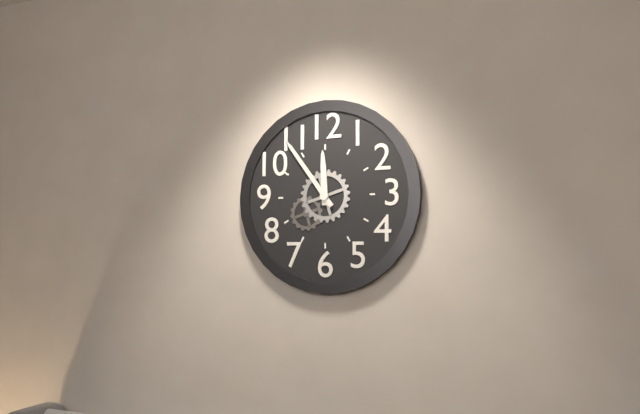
11h54
